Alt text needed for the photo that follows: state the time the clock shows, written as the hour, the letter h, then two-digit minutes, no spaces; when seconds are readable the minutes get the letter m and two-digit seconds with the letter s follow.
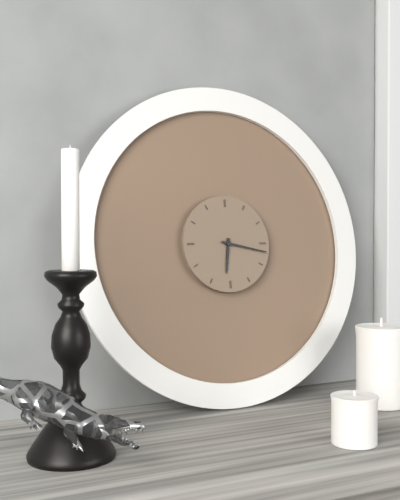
6h17
